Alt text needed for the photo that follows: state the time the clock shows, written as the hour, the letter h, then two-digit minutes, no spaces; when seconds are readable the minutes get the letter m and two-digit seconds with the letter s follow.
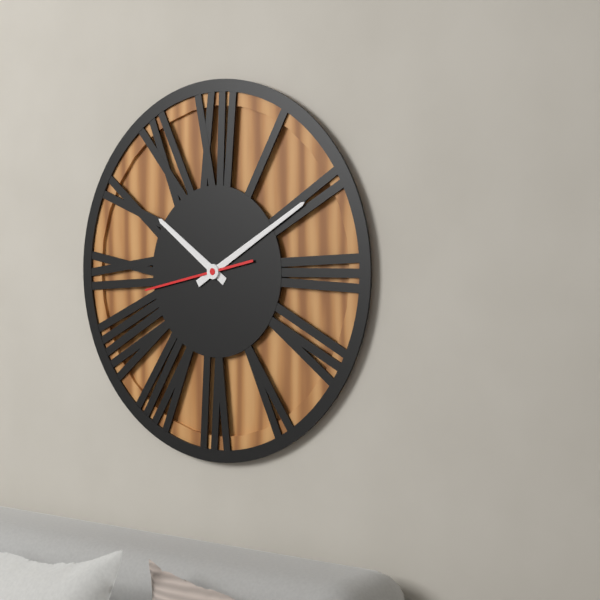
10h10m43s
